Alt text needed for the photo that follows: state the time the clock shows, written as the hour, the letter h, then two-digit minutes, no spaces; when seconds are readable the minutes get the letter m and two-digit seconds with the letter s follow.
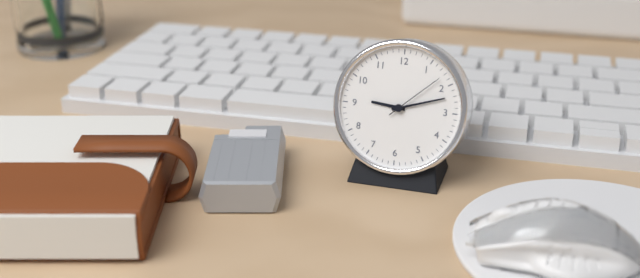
9h12m08s
